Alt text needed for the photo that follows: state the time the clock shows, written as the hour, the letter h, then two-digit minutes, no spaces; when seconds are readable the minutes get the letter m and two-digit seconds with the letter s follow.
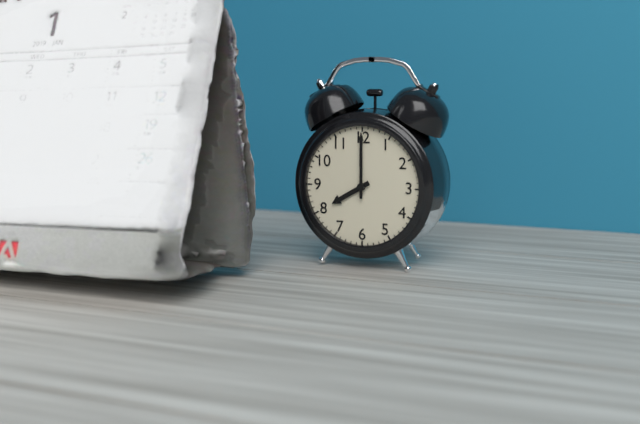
8h00
